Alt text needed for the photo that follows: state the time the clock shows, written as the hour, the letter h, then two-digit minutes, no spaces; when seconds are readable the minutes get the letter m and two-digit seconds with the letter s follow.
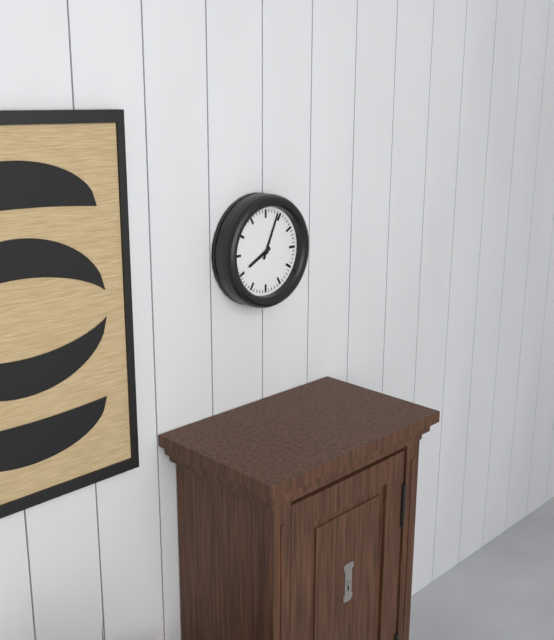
8h04
